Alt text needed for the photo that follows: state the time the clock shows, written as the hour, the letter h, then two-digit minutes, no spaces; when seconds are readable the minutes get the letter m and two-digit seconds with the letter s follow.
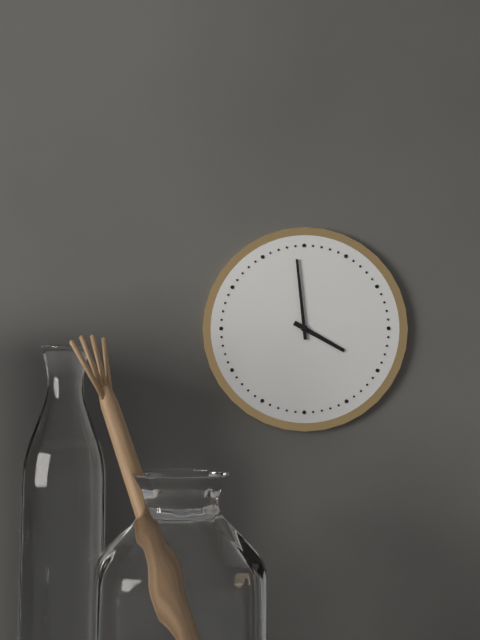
3h59
